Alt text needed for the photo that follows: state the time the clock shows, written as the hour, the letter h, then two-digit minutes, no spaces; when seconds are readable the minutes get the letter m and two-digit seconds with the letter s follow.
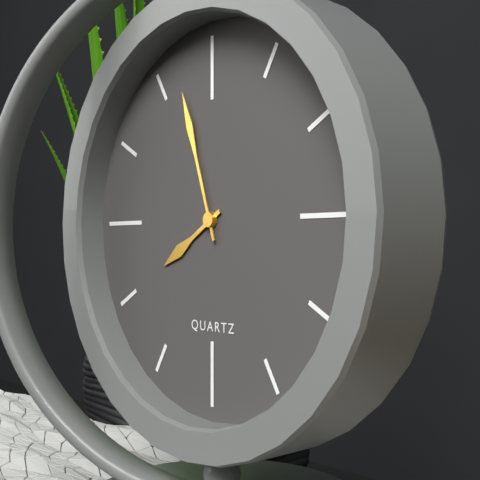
7h57
